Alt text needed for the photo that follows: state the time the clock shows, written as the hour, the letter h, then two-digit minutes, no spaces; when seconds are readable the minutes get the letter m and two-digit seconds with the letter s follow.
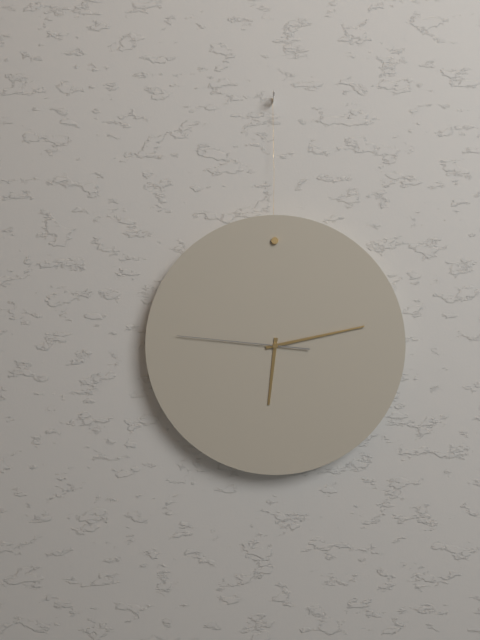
6h13m46s
